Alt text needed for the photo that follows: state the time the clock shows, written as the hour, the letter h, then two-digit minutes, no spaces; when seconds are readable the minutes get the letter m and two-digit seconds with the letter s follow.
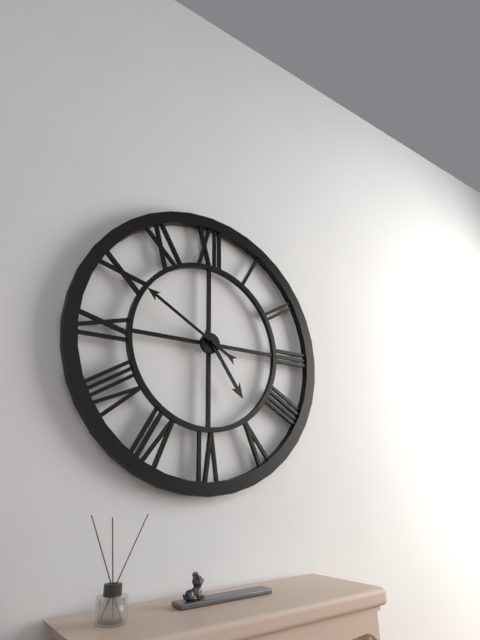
4h50
